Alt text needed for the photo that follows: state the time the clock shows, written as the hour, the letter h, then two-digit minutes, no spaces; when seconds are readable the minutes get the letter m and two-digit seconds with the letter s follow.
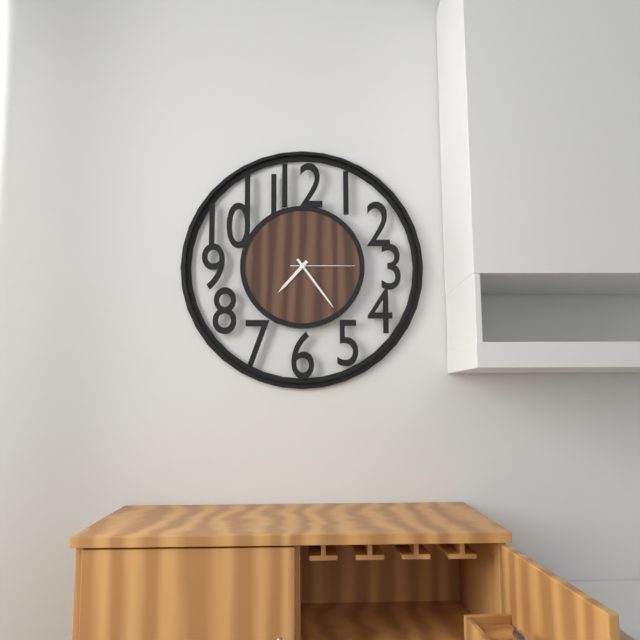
7h24m15s
